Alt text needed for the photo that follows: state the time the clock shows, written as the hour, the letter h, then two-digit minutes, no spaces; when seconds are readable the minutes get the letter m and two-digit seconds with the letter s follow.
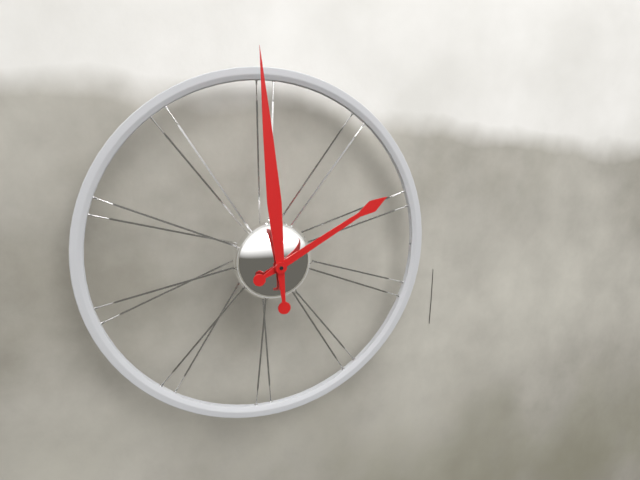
1h59
